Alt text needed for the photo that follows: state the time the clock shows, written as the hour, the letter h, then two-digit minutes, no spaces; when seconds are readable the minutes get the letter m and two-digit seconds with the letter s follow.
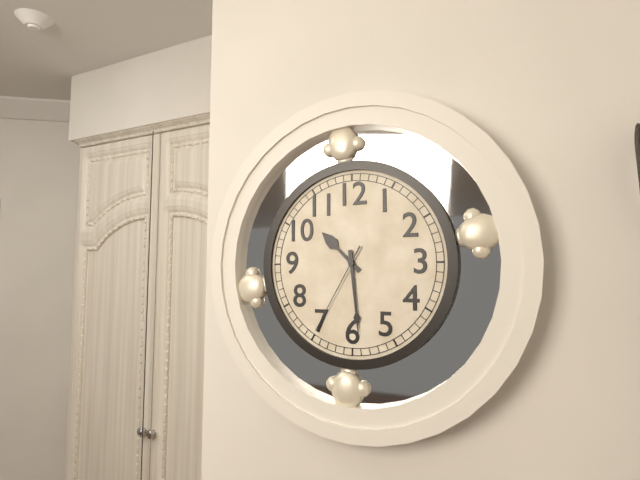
10h29m35s
